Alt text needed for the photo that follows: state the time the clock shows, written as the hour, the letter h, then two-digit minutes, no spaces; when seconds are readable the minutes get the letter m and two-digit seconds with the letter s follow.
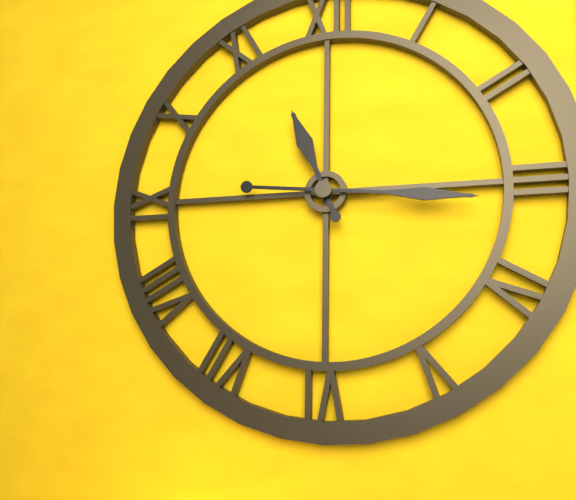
11h16
